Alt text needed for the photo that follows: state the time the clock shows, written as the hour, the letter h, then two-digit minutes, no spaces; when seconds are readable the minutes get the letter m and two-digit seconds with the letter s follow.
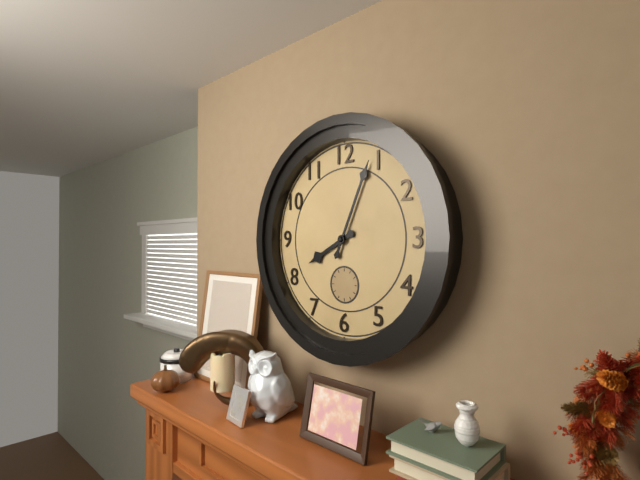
8h04
